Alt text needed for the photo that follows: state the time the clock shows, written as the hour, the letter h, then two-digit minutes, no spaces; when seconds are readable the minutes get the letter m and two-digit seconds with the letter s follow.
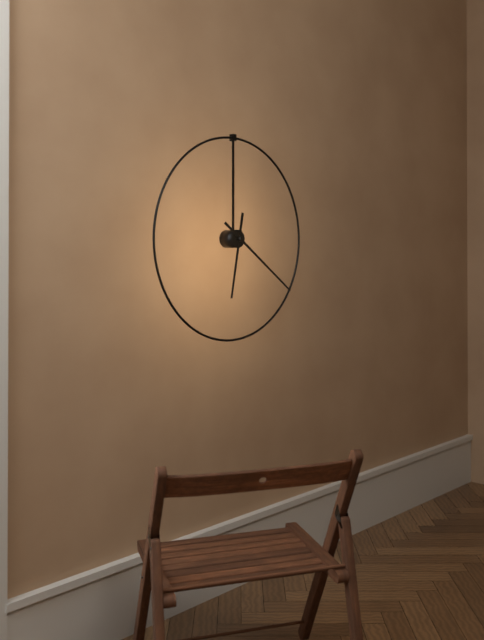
6h21
